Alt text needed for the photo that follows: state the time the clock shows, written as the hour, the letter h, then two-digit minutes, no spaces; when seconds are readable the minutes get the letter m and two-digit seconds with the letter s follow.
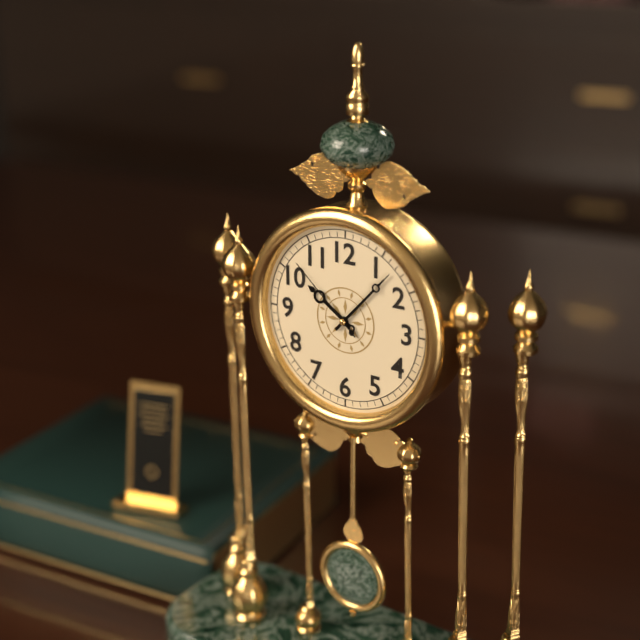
10h07m52s
